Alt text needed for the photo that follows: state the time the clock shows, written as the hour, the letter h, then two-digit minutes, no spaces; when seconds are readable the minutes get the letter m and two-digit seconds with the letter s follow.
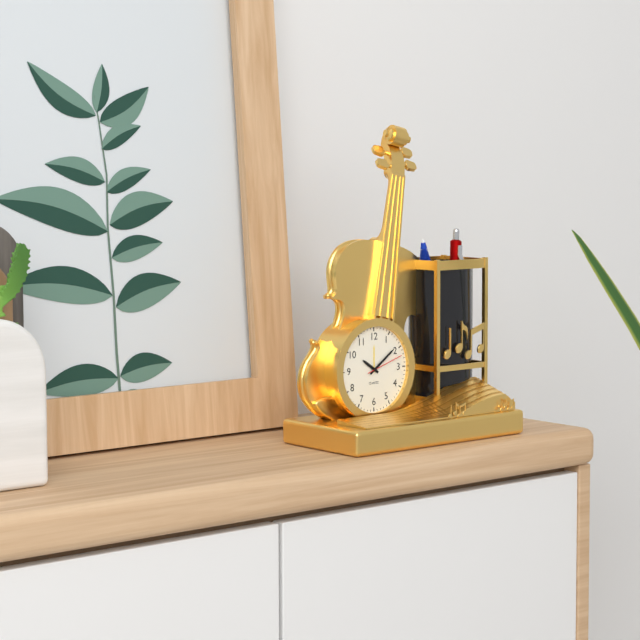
10h09
